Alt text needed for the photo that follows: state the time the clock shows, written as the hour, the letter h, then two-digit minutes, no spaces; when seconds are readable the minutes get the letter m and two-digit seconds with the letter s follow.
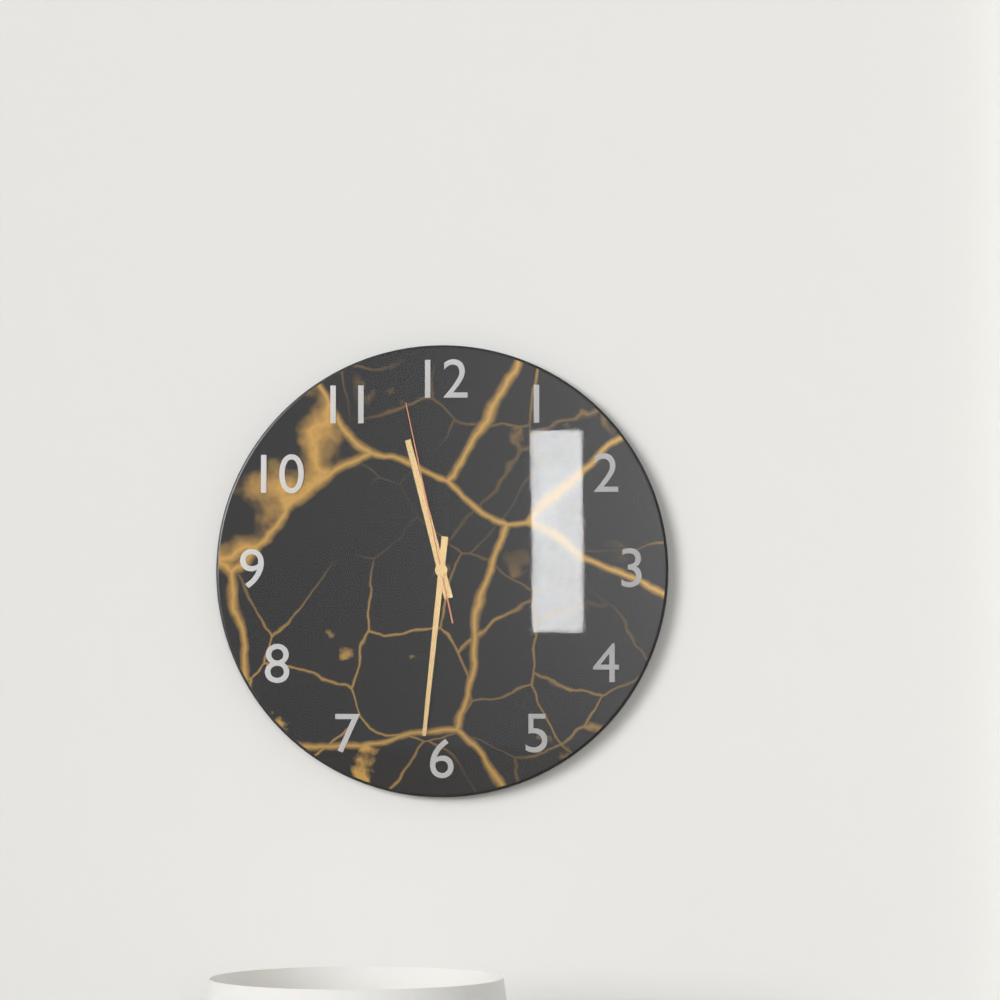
11h31m58s
